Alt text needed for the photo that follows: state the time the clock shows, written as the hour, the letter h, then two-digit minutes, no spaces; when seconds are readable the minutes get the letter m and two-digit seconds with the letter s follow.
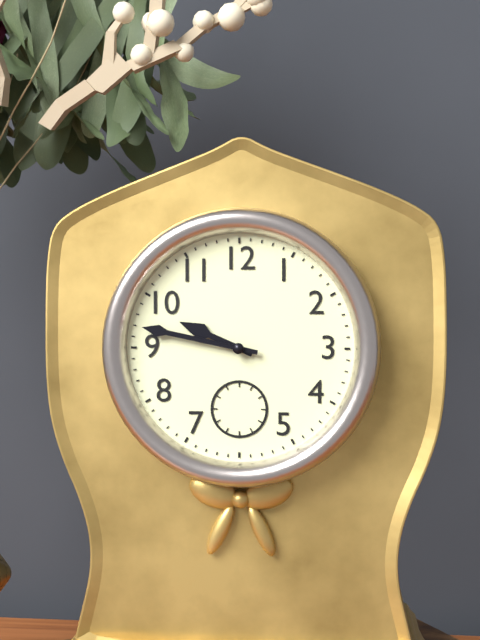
9h47
